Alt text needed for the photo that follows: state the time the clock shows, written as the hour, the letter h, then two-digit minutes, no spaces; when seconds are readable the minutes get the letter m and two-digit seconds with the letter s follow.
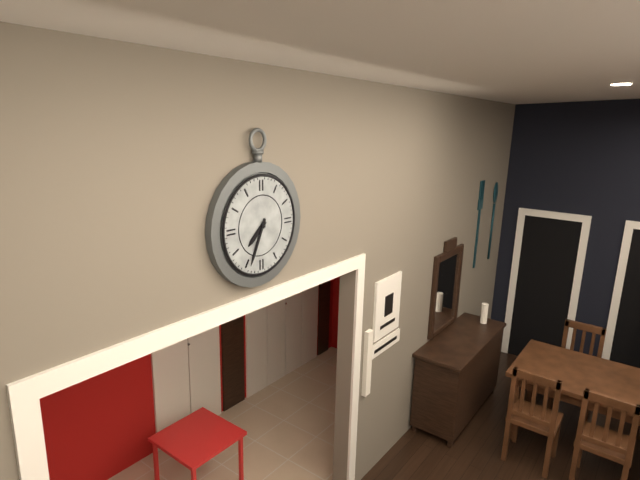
7h34
